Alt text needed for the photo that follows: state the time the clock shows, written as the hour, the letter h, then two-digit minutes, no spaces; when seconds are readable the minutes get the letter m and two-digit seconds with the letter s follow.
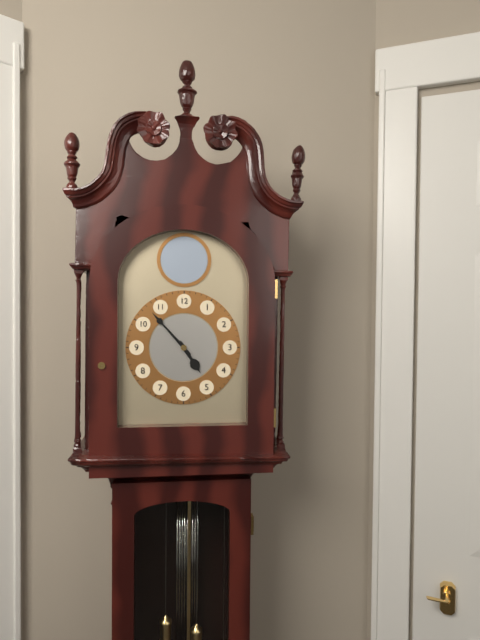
4h53
